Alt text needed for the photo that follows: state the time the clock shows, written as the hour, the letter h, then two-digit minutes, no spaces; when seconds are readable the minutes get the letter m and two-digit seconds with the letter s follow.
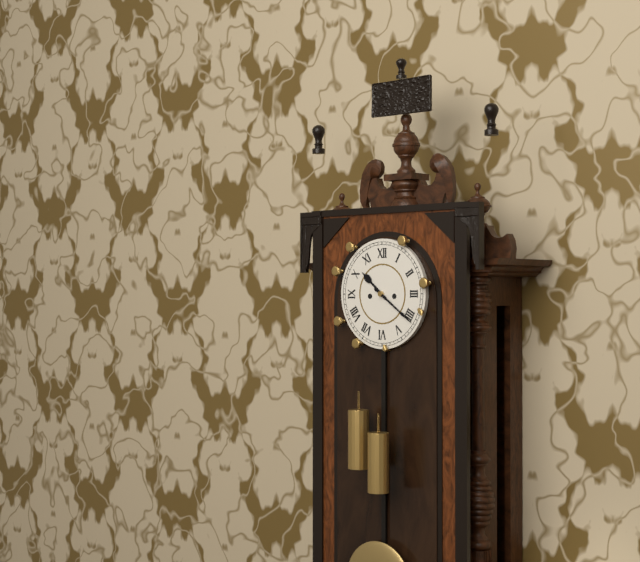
10h21
